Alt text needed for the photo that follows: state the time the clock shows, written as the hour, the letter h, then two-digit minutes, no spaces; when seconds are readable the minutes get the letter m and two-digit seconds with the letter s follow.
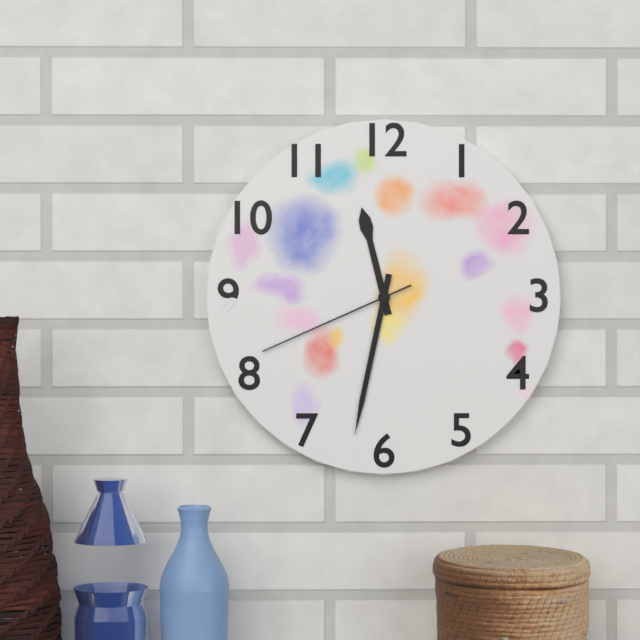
11h32m41s
